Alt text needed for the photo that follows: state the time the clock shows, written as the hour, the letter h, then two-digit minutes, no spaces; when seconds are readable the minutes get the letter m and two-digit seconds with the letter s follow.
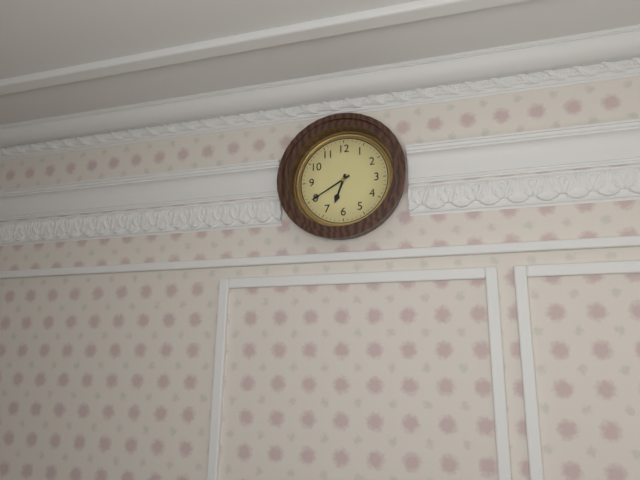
6h40
